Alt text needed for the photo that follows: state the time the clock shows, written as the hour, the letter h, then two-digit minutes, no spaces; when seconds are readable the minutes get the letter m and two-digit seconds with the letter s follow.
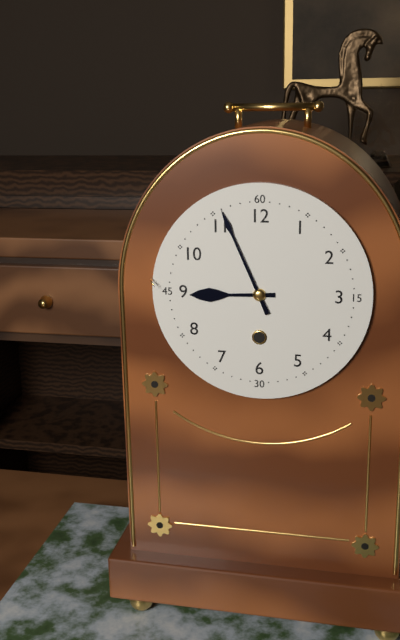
8h56
